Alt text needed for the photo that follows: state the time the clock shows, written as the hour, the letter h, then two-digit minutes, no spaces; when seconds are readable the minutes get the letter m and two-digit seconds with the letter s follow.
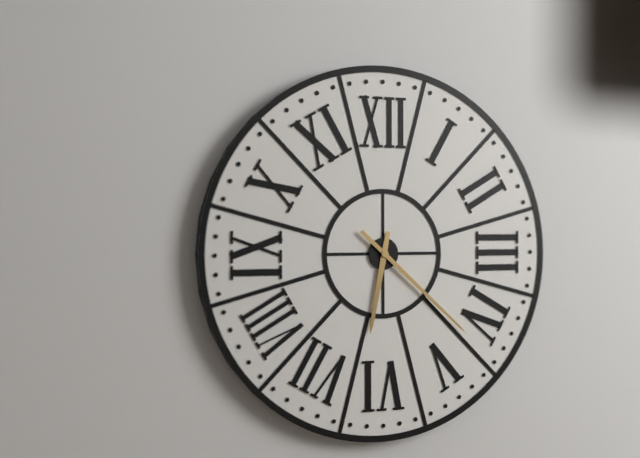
6h22
